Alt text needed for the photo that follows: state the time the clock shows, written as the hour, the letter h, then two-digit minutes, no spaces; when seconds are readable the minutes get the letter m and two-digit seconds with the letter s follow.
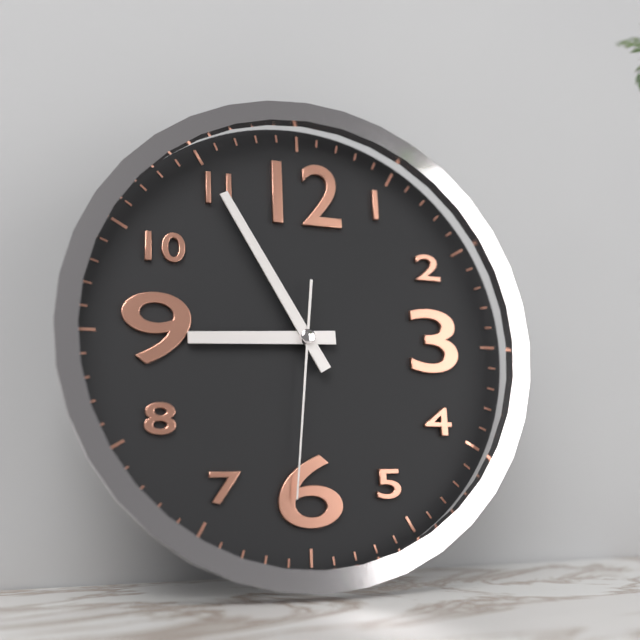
8h55m31s
